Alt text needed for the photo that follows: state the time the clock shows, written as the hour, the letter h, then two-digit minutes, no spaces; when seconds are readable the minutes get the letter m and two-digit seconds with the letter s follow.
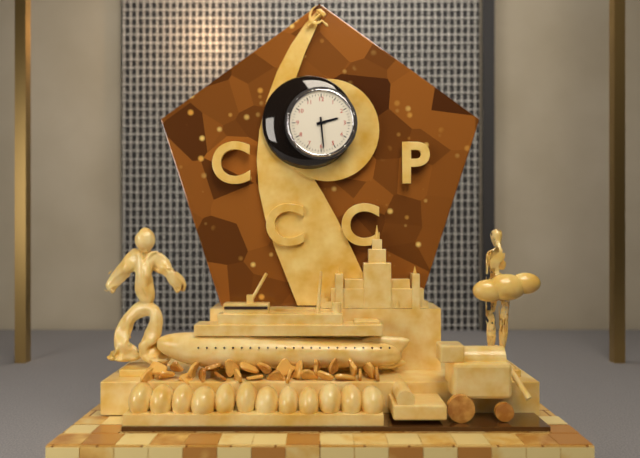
2h29
